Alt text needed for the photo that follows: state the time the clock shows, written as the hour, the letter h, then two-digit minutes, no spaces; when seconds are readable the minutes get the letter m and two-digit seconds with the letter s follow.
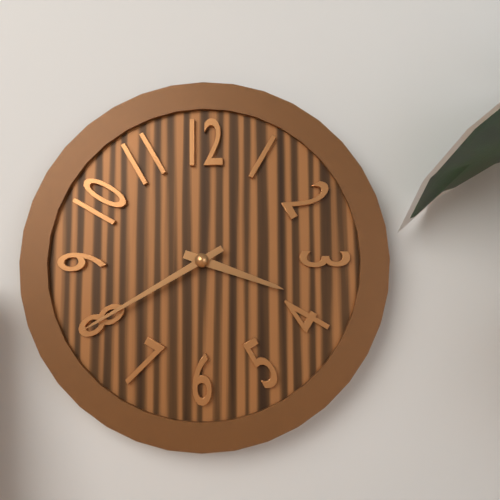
3h40
